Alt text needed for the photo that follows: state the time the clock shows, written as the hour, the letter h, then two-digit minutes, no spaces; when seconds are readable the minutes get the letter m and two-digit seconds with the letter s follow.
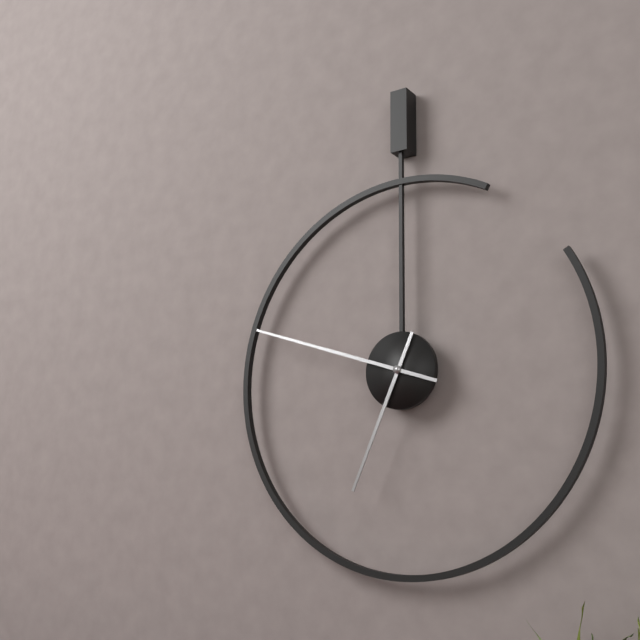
6h48
